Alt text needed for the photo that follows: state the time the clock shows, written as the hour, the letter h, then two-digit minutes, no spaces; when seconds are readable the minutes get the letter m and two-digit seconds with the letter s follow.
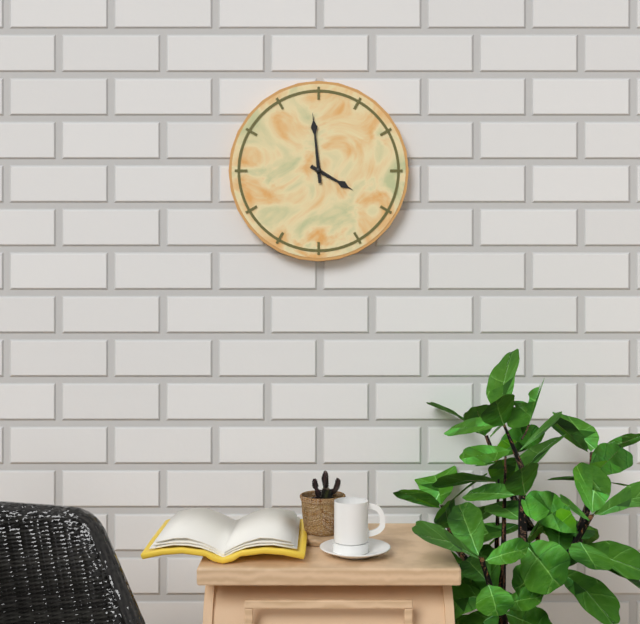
3h59
